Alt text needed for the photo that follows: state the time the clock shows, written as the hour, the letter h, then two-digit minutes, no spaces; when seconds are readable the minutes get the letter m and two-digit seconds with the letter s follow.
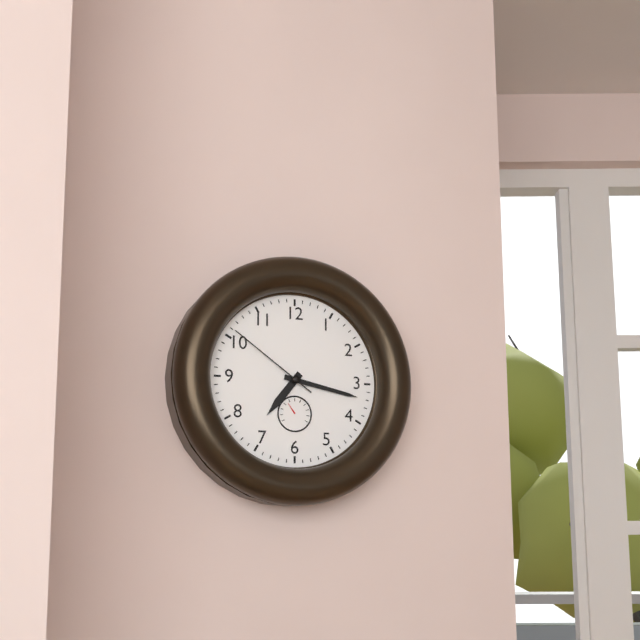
7h17m51s
